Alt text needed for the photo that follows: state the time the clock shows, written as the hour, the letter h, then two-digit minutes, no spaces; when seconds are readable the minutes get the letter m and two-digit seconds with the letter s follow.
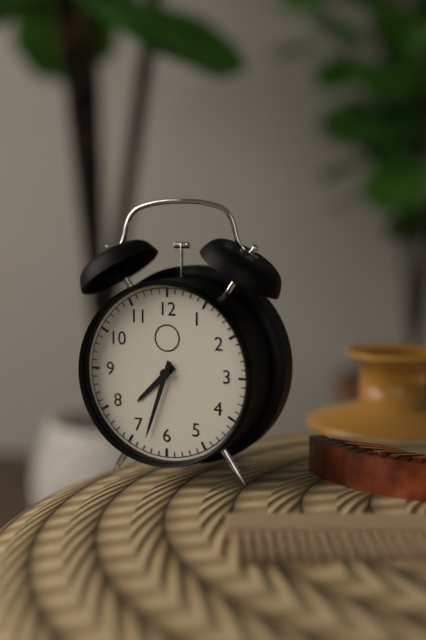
7h33
